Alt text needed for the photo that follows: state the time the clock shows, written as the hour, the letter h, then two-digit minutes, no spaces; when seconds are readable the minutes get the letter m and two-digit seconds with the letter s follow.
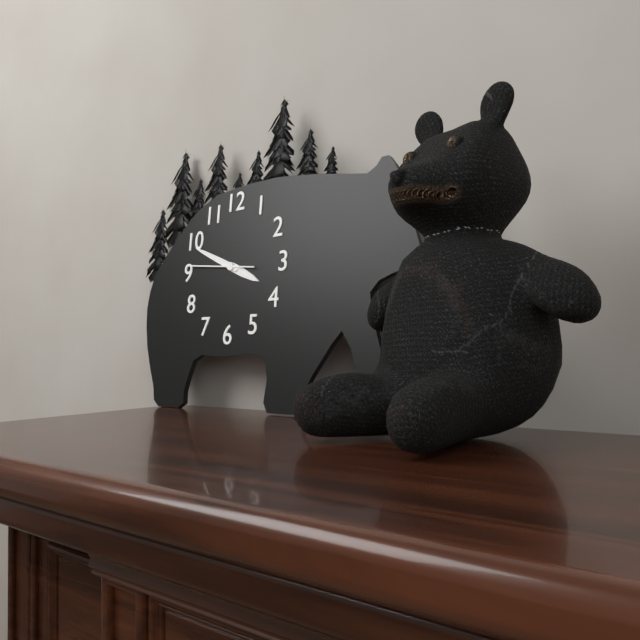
3h49m46s
